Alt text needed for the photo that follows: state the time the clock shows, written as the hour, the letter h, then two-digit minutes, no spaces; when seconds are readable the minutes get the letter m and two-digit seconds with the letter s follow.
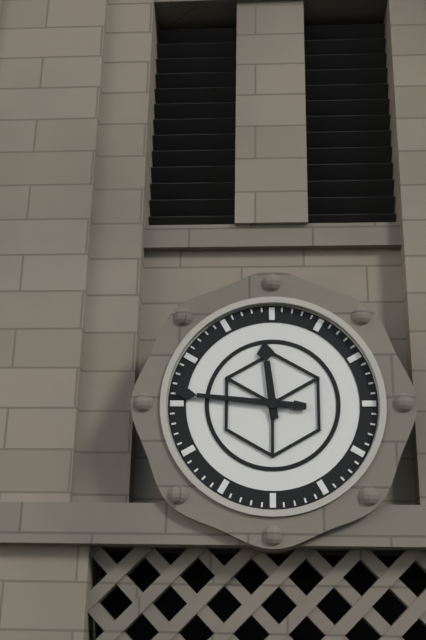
11h46
